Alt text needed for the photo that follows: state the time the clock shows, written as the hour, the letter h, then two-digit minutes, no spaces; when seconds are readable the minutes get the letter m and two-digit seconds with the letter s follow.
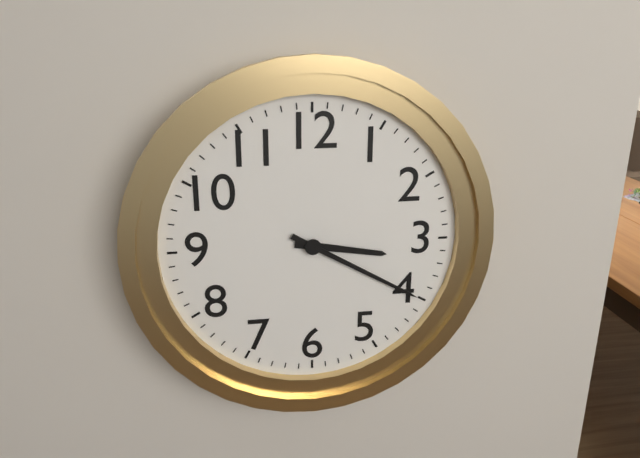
3h20
